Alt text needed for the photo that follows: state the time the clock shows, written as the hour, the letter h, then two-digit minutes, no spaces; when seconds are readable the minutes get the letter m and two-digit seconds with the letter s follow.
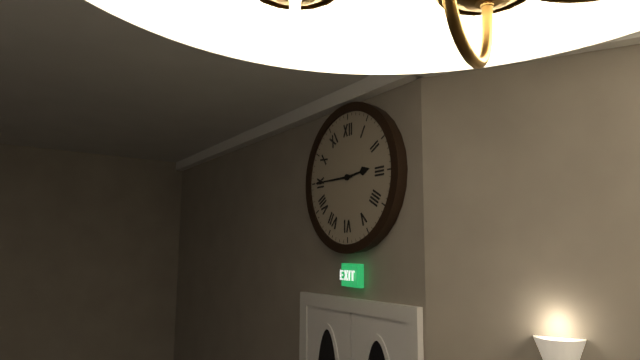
2h45
